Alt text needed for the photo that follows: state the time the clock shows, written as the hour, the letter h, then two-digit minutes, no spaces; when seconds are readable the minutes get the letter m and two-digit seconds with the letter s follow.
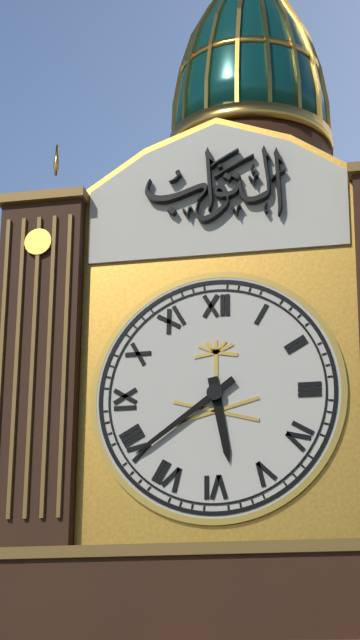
5h39
